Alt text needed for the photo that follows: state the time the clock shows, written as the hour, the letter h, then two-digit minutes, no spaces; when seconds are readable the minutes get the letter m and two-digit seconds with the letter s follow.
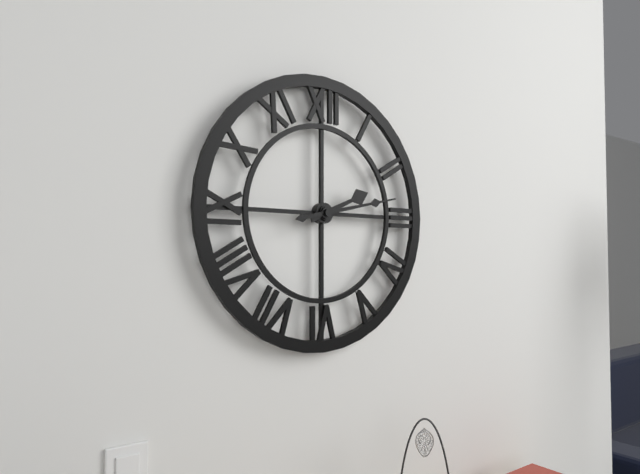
2h13
